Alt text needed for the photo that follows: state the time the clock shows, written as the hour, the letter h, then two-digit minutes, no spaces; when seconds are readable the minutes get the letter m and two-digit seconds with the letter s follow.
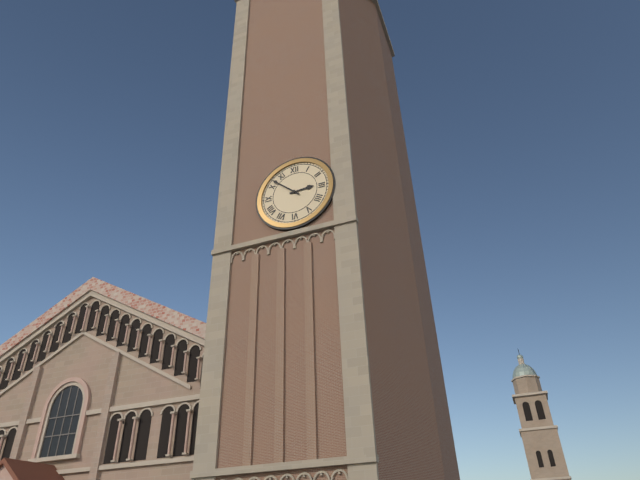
2h52
